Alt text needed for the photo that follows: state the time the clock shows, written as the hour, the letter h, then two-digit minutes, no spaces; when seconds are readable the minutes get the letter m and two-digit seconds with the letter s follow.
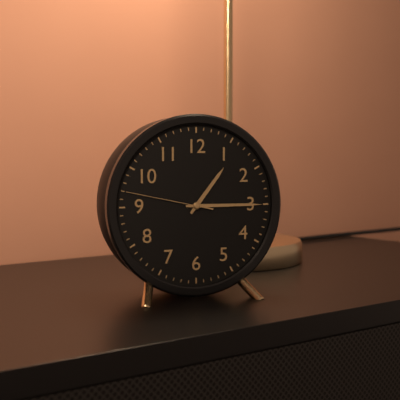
1h15m47s
